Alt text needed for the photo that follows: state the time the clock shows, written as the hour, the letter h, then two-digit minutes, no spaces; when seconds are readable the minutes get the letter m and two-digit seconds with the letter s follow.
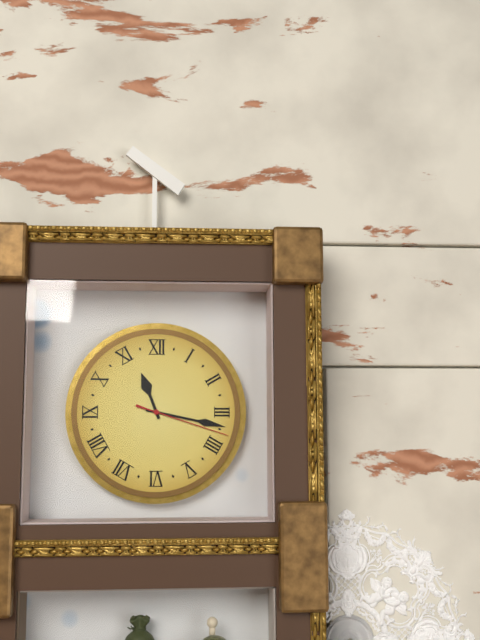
11h17m18s
